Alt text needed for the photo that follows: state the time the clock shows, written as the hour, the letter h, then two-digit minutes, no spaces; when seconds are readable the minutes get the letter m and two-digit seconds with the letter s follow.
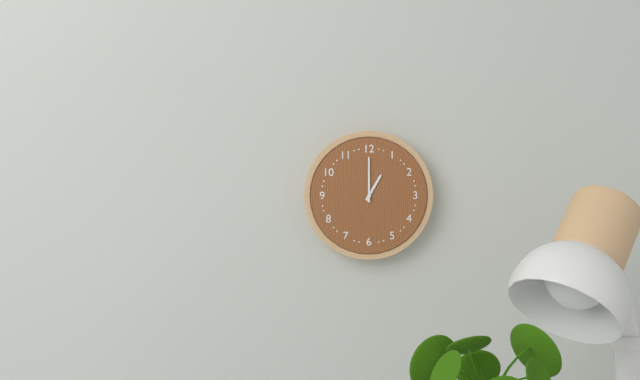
1h00
